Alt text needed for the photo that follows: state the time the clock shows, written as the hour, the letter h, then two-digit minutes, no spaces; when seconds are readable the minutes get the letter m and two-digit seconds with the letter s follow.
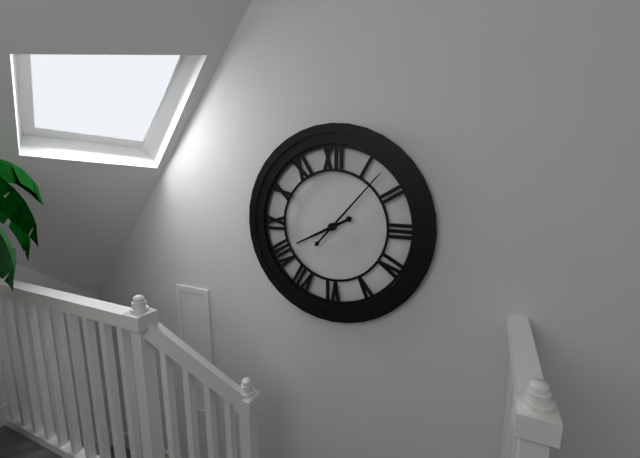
8h07
